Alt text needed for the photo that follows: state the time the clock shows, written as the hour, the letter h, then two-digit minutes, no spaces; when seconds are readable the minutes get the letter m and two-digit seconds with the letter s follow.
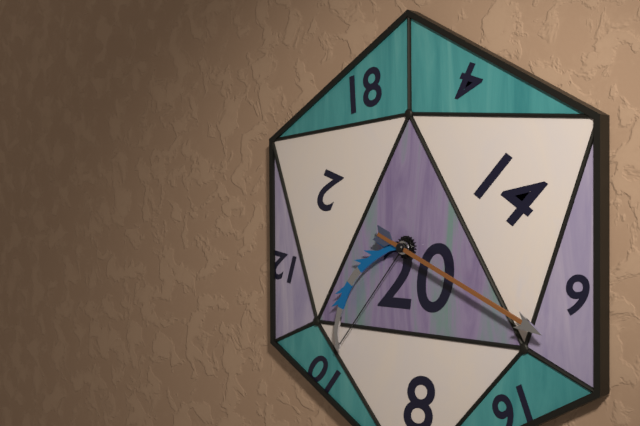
7h19
